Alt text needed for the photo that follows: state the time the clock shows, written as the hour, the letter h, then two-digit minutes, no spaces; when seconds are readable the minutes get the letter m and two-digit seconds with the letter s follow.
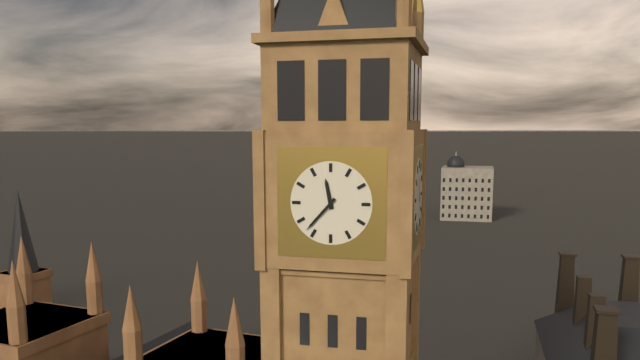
11h37
